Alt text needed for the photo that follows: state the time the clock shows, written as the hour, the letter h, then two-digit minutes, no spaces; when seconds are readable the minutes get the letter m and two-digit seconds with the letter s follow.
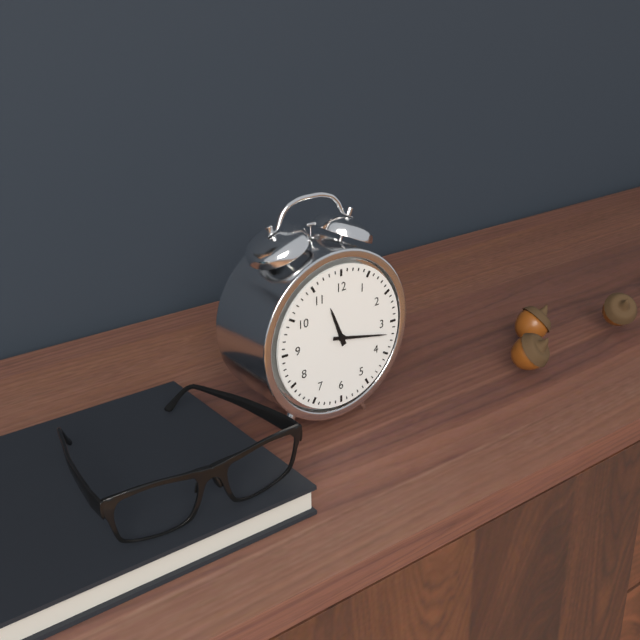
11h17
